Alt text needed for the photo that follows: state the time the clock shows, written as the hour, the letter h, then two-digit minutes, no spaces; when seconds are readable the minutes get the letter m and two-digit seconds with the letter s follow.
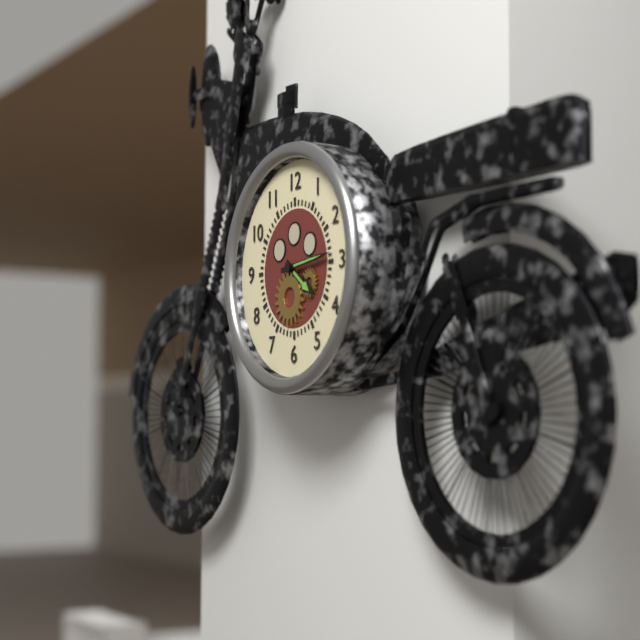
4h14
